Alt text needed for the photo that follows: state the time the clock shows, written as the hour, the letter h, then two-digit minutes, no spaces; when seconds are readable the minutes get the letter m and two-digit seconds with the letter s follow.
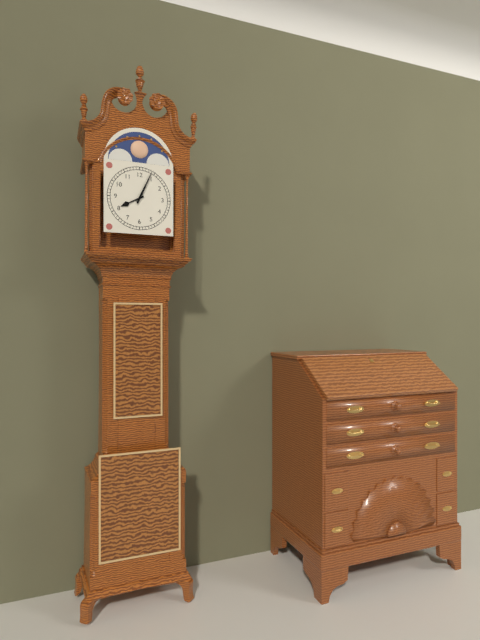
8h04
